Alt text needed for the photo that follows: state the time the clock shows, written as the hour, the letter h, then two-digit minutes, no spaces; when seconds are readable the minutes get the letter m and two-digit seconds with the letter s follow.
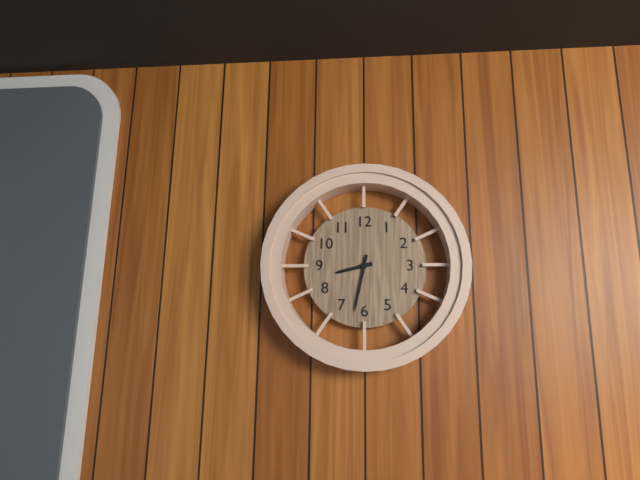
8h32
